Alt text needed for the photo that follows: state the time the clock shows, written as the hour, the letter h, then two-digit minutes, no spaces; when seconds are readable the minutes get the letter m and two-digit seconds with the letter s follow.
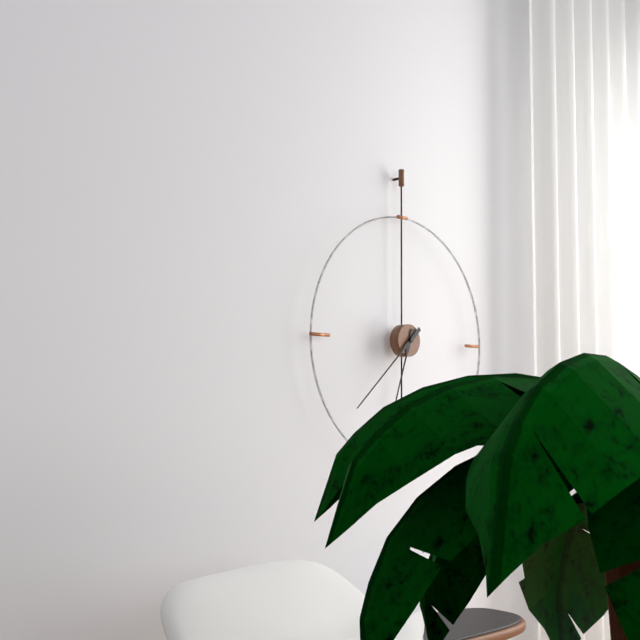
6h38
